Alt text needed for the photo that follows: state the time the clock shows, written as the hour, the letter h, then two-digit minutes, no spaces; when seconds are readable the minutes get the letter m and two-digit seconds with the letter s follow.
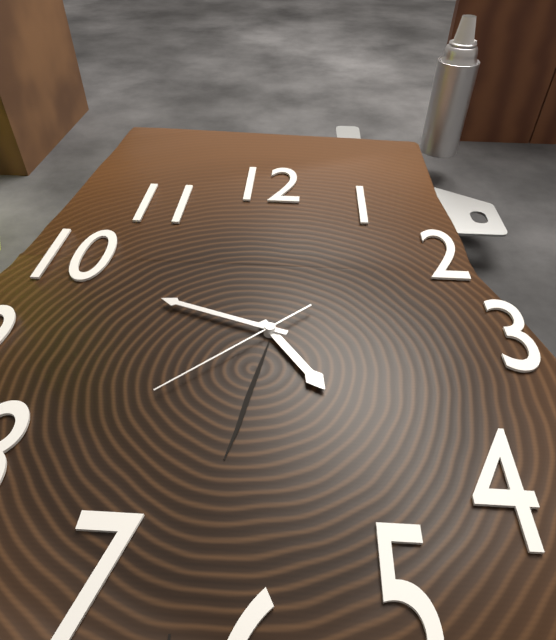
4h48m38s
